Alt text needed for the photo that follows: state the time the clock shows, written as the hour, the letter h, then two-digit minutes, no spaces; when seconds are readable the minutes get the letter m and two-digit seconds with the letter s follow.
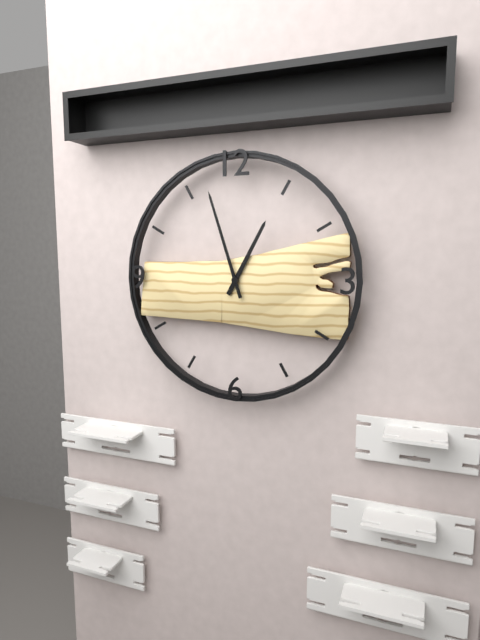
12h57
